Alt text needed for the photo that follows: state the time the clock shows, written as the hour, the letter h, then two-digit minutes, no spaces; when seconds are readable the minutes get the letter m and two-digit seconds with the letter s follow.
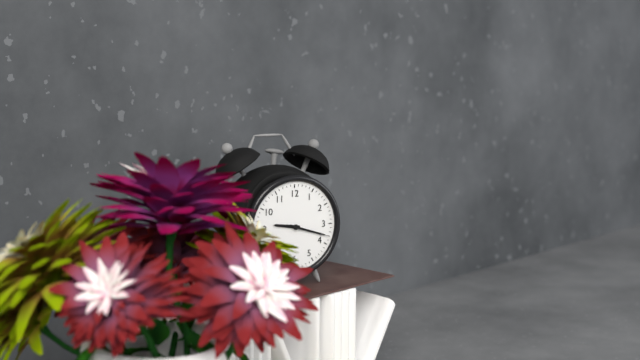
9h18
